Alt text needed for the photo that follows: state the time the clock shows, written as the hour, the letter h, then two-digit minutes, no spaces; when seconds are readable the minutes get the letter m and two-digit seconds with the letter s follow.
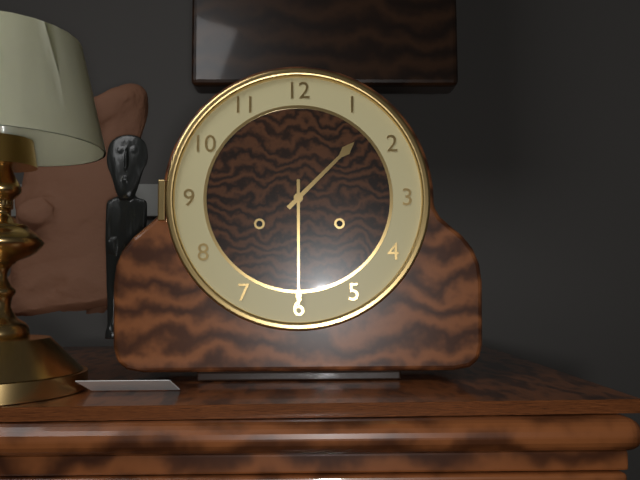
1h30
